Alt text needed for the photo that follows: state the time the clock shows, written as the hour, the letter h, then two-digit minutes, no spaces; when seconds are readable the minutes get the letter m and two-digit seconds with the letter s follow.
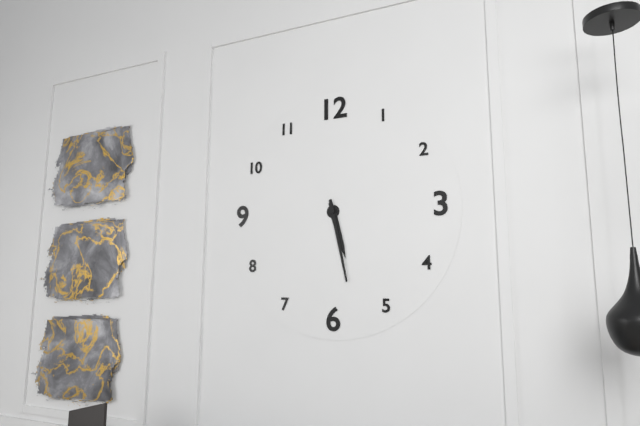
5h28
